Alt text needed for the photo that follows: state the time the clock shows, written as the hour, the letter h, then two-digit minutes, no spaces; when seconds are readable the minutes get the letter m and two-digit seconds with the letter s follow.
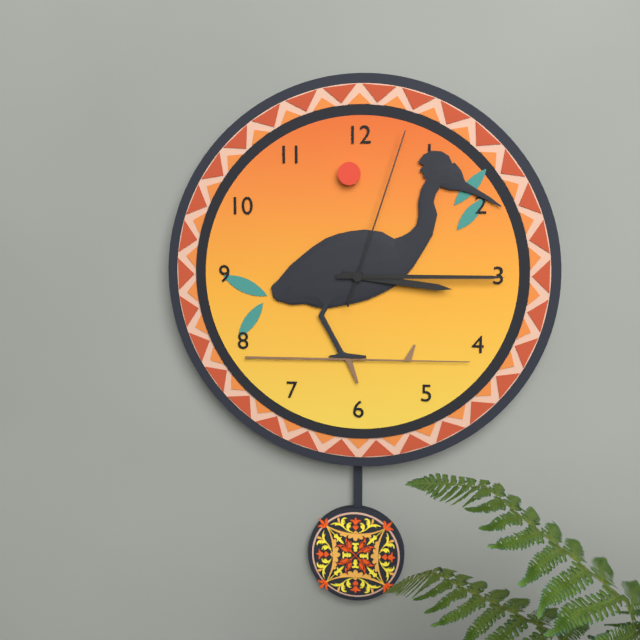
3h15m03s
